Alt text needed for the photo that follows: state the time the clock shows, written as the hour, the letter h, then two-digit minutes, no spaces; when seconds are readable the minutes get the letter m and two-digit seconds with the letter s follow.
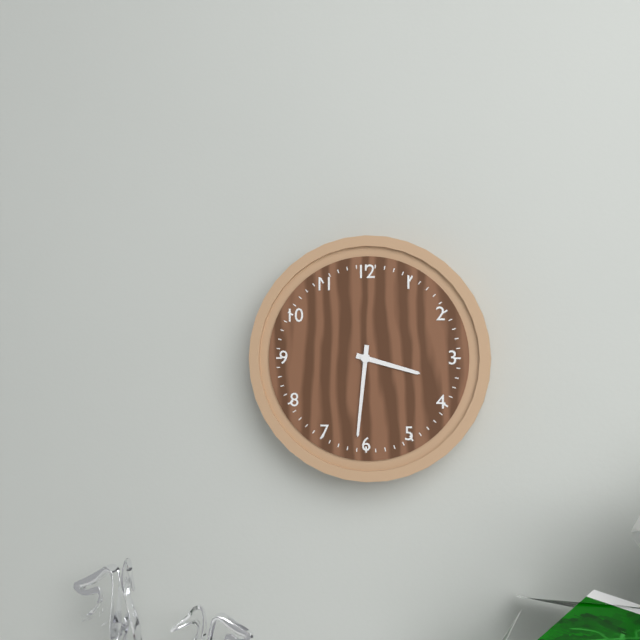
3h31
